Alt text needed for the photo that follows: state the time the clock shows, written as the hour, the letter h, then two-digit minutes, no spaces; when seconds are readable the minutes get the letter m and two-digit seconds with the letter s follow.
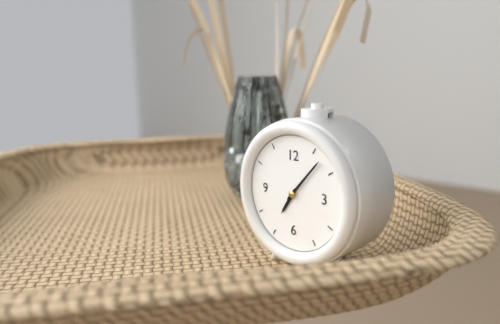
7h07
